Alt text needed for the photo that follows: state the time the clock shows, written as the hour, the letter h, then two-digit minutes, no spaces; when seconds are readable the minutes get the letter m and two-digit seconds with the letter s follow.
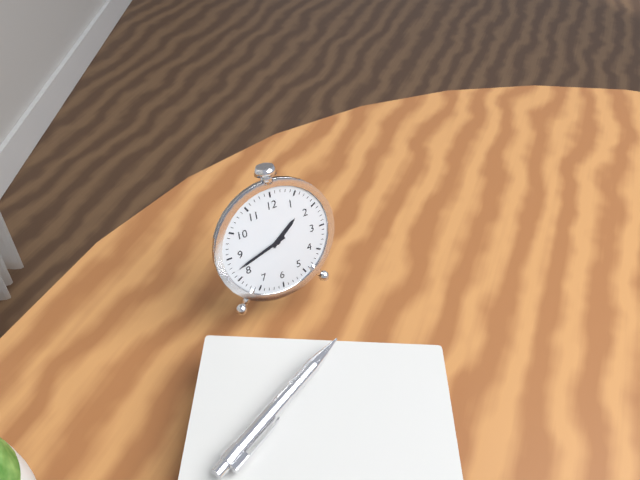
1h42
